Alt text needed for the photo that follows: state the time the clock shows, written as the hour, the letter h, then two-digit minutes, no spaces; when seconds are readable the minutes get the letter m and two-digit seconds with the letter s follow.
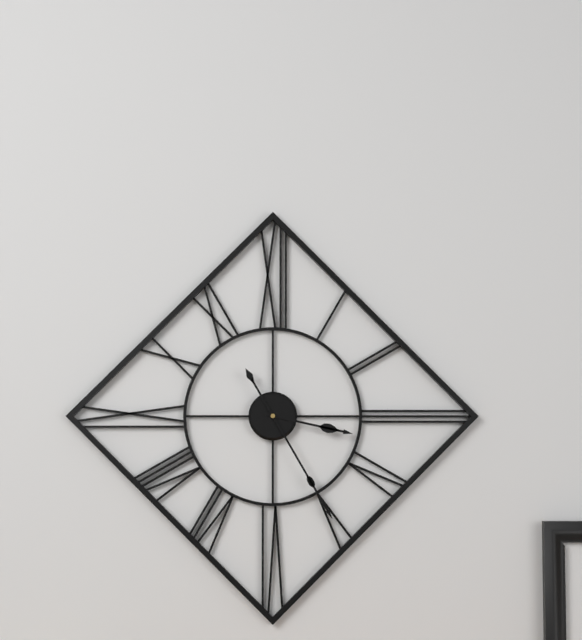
3h25
